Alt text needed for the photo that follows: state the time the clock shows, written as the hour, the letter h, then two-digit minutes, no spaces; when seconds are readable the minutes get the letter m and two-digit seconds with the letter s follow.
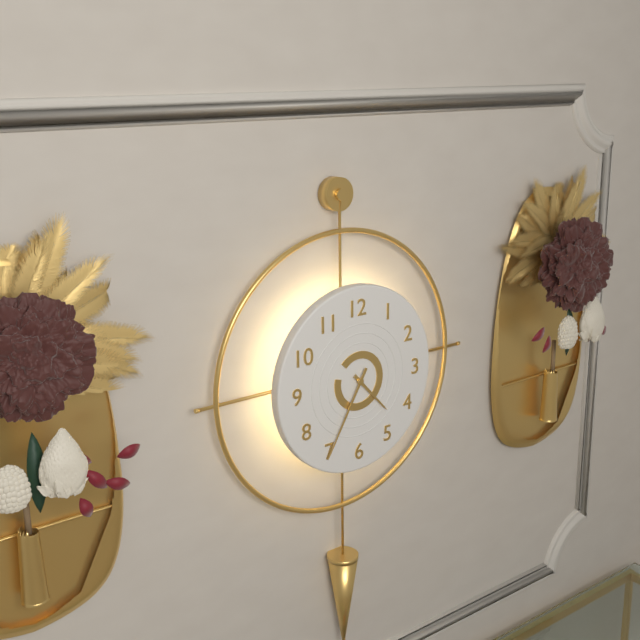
4h35
